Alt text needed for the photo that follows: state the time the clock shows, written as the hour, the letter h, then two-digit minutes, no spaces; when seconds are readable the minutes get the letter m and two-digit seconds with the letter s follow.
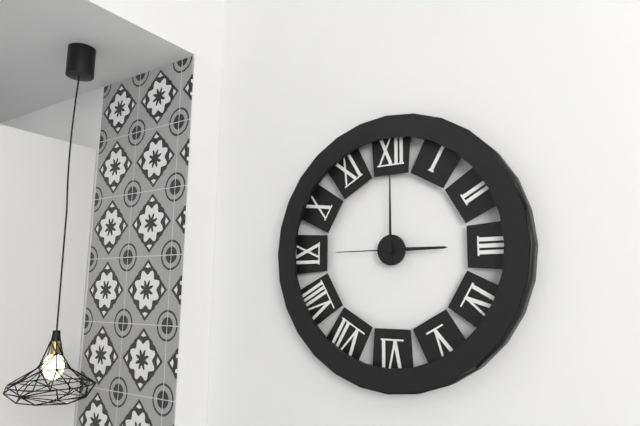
3h00m45s
